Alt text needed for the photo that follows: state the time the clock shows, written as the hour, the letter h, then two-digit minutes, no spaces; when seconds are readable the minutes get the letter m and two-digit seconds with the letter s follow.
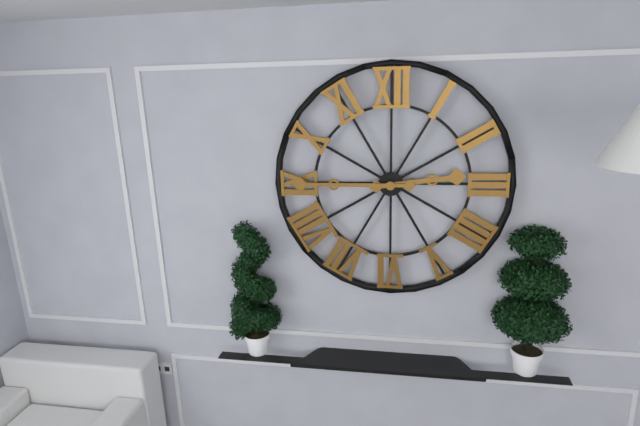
2h45
